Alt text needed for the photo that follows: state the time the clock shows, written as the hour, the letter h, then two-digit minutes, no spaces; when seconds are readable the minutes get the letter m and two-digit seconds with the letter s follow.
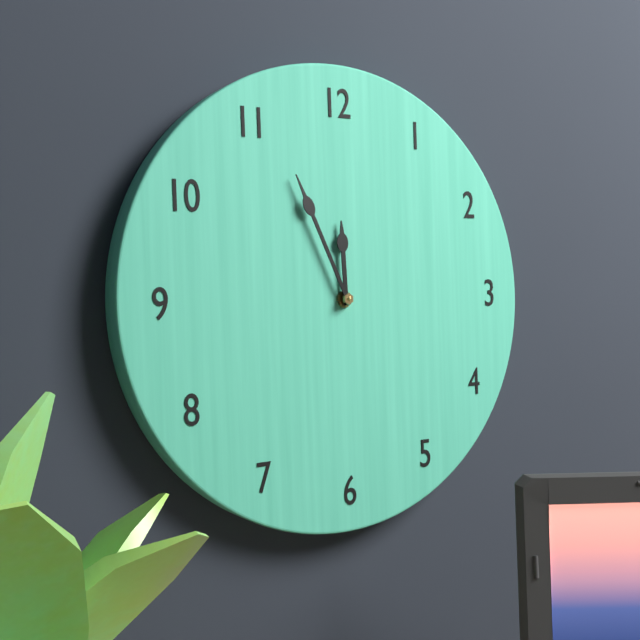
11h56
